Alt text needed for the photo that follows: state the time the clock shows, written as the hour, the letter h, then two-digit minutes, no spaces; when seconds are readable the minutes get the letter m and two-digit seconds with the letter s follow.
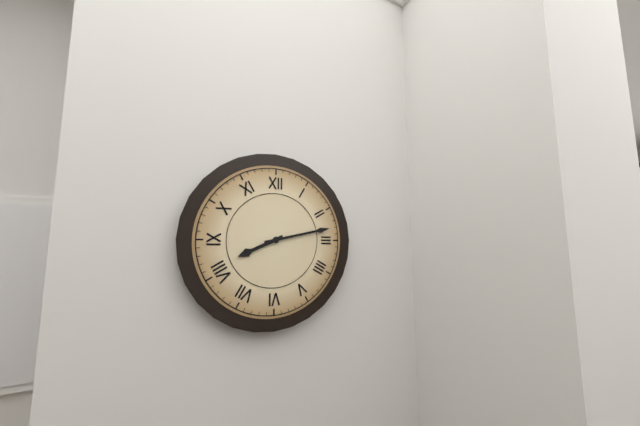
8h13
